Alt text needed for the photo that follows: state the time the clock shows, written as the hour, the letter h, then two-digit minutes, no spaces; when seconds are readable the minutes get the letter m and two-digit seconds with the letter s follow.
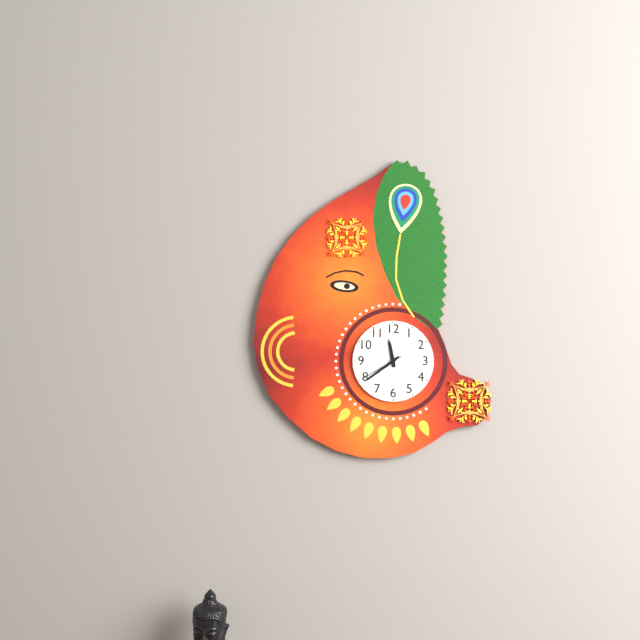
11h39
